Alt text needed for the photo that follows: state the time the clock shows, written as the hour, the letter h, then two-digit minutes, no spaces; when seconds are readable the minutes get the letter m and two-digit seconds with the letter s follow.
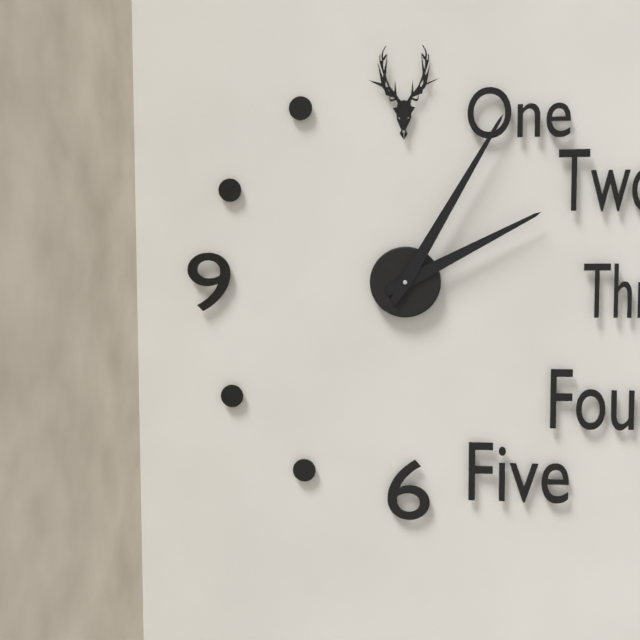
2h05
